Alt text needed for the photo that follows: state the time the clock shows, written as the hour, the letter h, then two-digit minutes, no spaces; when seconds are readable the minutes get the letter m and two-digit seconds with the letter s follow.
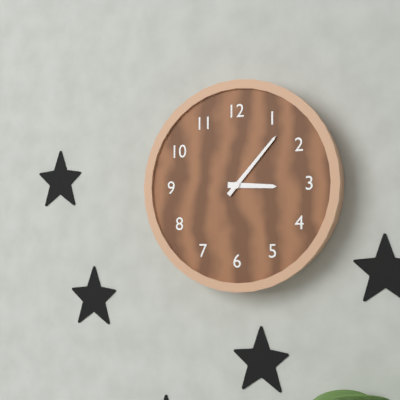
3h07
